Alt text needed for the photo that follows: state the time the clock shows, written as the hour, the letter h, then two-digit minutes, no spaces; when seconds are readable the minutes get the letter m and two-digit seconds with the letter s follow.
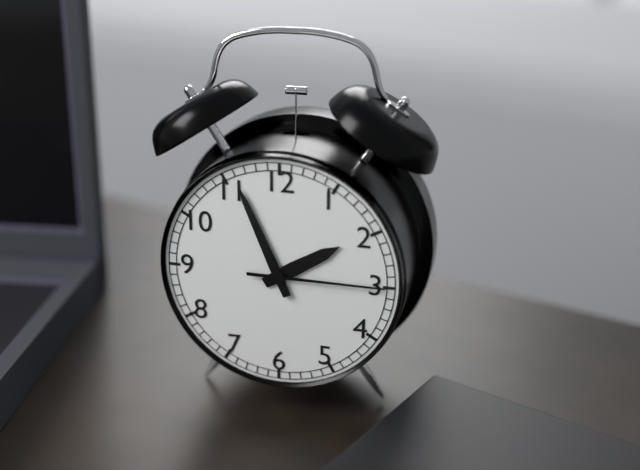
1h56m15s
